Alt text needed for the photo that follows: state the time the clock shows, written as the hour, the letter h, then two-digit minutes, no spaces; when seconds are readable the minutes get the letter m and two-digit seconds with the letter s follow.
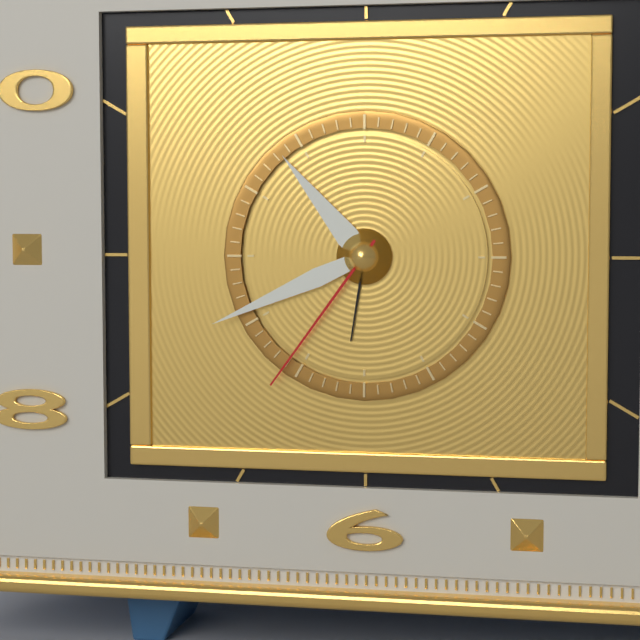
10h41m36s
